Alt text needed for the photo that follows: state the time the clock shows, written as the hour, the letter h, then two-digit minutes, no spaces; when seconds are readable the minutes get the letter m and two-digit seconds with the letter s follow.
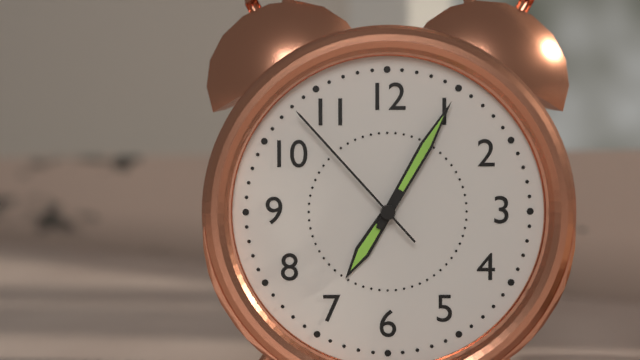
7h05m53s
